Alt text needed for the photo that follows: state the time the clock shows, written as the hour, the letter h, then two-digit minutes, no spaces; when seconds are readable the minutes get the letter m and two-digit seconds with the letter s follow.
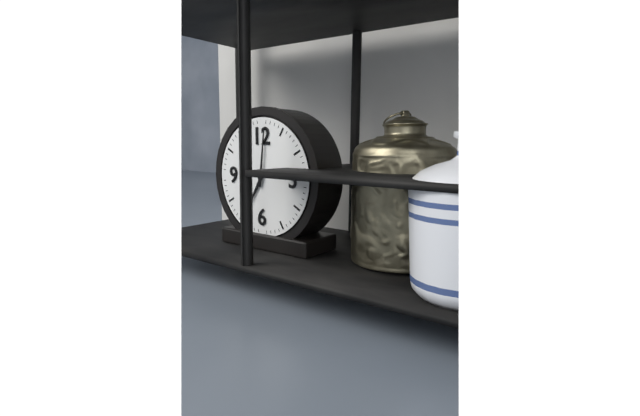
7h01
